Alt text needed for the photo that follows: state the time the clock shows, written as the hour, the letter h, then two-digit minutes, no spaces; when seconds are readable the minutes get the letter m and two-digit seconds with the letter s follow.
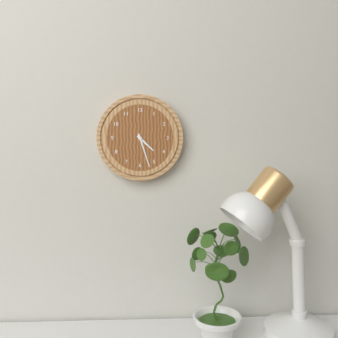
4h27
